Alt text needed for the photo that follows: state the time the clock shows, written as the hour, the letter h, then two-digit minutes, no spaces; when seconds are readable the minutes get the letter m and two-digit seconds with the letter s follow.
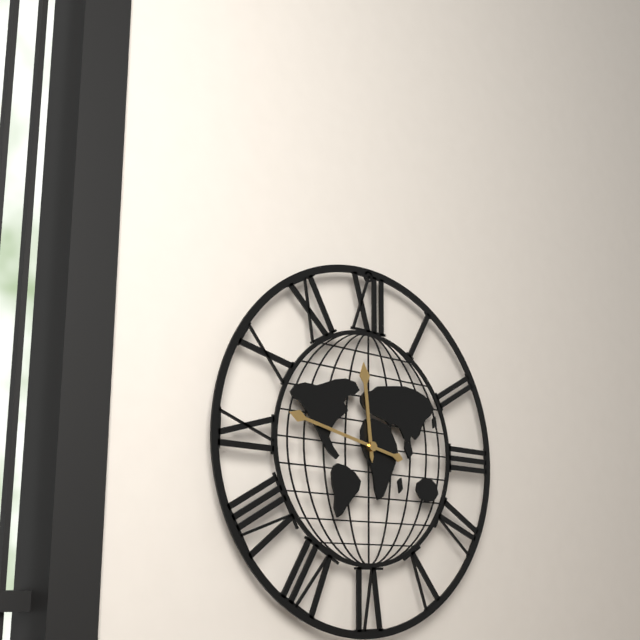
11h47
